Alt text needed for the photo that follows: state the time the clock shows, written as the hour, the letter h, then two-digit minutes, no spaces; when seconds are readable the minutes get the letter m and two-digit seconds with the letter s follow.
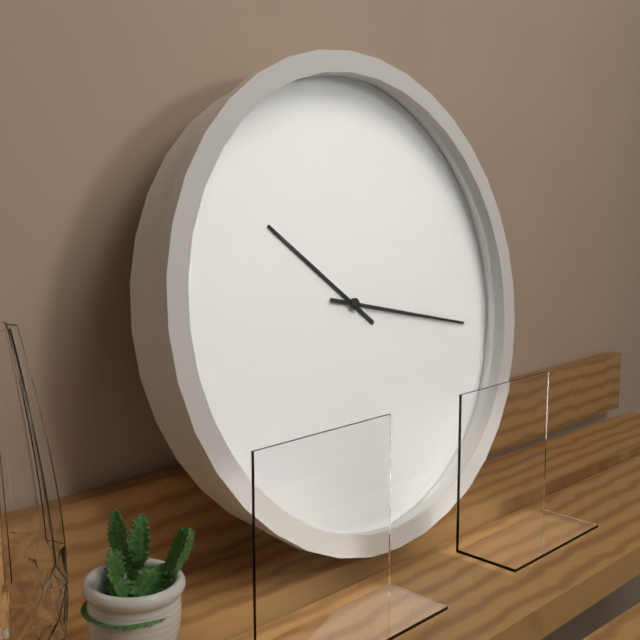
10h17
